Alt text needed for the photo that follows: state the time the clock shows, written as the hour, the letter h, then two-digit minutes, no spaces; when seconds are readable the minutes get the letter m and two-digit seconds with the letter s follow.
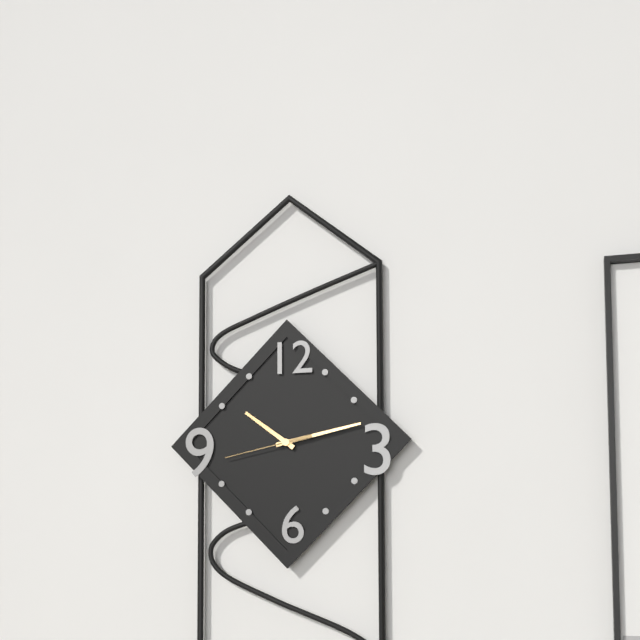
10h13m43s
